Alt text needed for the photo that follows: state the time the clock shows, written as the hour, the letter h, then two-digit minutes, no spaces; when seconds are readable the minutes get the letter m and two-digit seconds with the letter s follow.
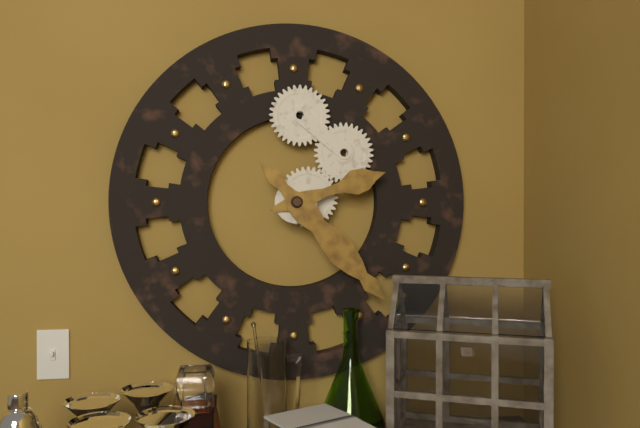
2h23
